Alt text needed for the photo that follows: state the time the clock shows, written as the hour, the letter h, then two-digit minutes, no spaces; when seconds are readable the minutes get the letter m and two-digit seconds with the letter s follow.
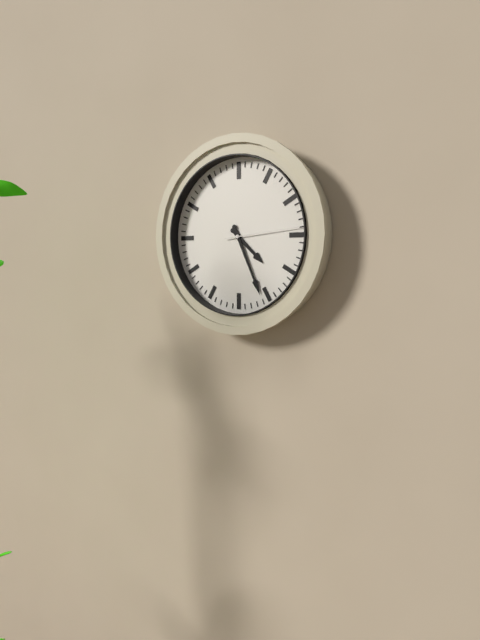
4h26m14s
